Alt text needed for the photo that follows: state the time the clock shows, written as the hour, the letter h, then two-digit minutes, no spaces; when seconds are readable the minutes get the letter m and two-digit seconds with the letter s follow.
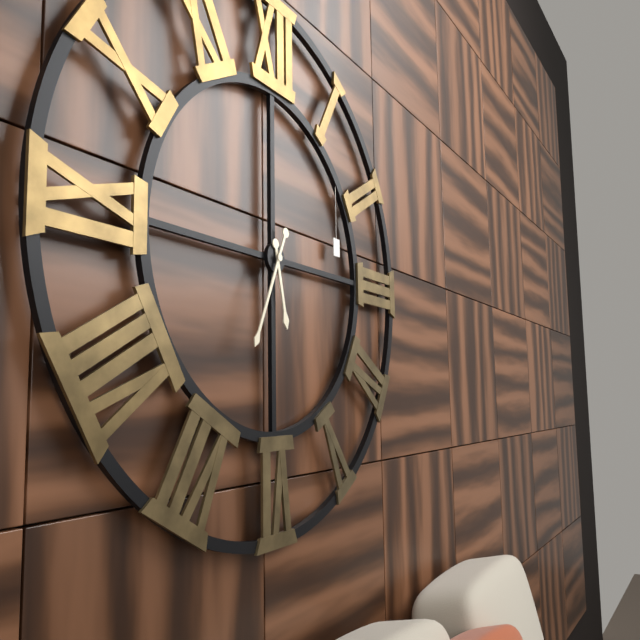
5h34
